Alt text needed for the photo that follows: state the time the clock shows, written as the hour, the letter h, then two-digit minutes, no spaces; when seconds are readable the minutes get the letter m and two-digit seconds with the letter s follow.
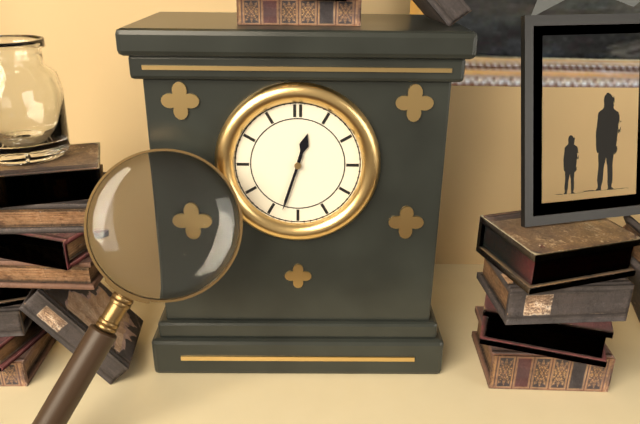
12h33
